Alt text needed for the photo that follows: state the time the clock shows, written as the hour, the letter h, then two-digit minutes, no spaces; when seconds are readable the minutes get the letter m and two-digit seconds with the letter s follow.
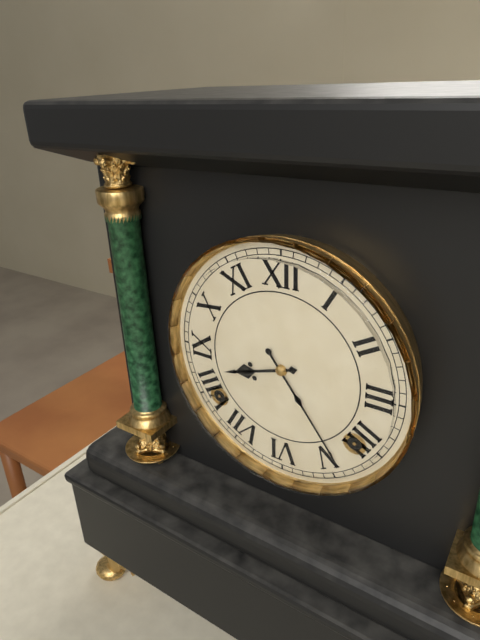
8h24
